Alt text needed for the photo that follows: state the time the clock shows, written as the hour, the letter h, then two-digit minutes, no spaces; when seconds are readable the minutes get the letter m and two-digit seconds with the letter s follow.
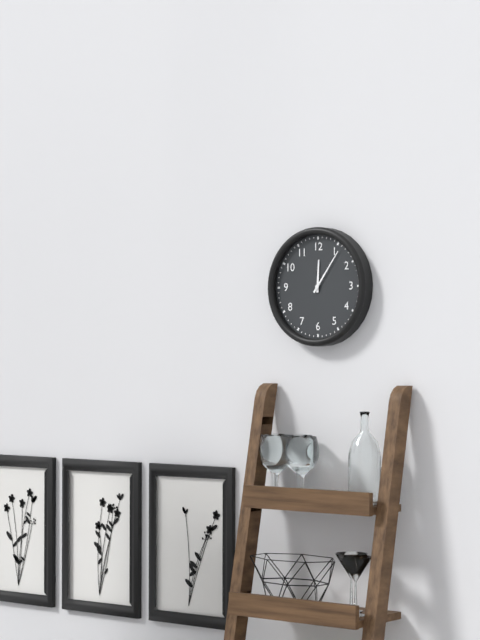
12h06
